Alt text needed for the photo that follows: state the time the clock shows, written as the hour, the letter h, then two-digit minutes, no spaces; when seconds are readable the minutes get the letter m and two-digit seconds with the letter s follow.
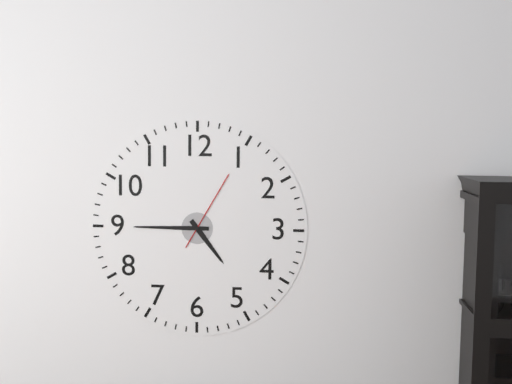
4h45m05s
